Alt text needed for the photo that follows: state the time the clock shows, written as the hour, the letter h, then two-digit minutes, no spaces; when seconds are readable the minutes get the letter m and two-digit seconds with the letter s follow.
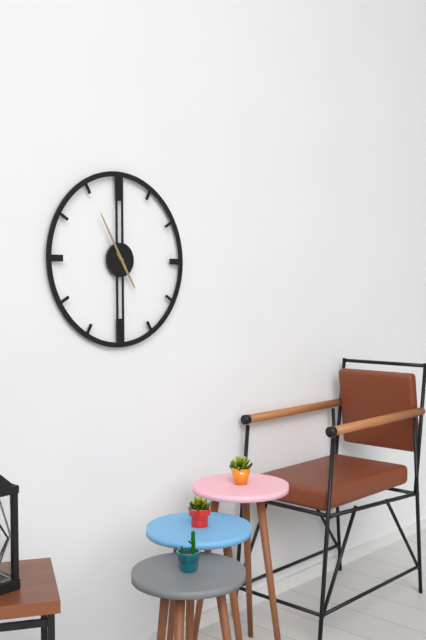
4h55
